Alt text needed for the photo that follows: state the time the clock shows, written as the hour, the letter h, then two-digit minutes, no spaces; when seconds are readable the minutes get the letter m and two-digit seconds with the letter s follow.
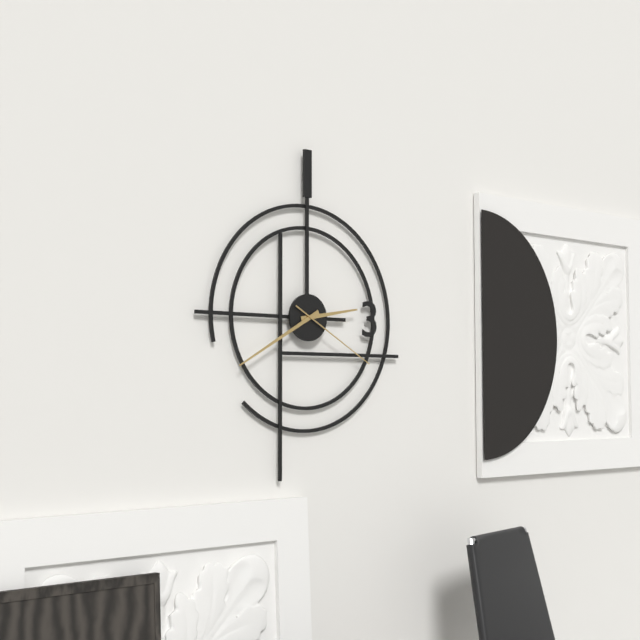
2h40m20s
